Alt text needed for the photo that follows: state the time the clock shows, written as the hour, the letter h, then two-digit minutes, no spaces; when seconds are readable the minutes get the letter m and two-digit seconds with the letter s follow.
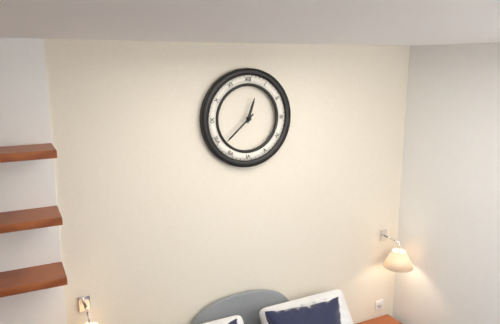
12h38
